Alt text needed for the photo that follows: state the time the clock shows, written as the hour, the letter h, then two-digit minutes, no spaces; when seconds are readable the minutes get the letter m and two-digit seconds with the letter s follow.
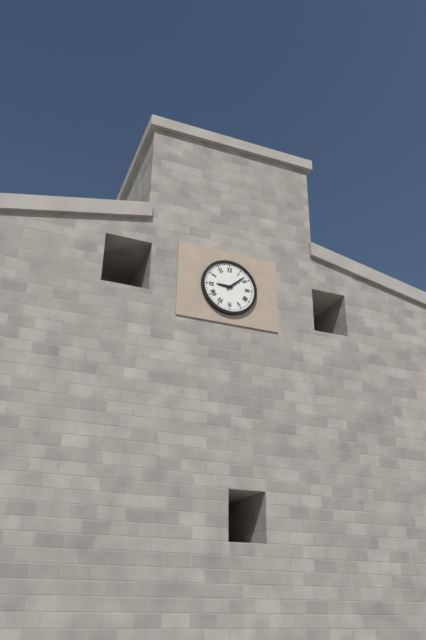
9h08
